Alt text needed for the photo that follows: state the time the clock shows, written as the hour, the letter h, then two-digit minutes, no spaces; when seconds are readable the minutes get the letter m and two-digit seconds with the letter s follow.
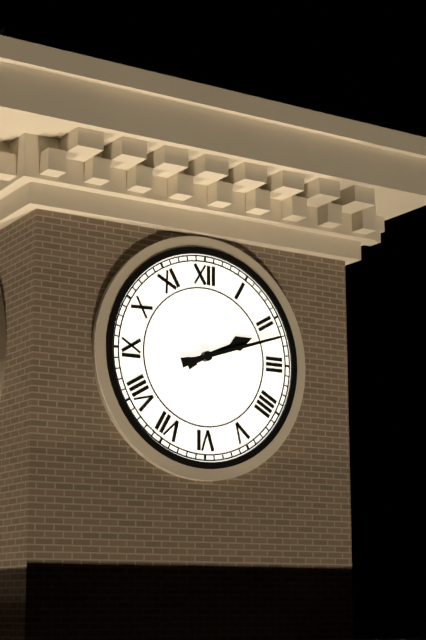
2h12
